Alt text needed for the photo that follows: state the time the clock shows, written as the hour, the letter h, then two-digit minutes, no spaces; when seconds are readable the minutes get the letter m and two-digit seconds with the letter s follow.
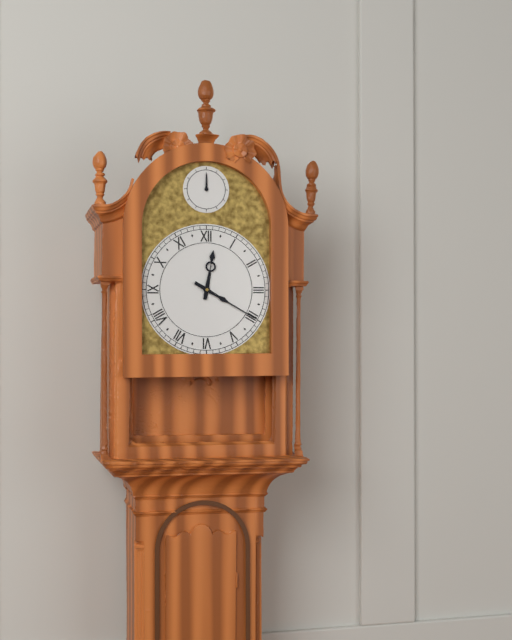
12h20
